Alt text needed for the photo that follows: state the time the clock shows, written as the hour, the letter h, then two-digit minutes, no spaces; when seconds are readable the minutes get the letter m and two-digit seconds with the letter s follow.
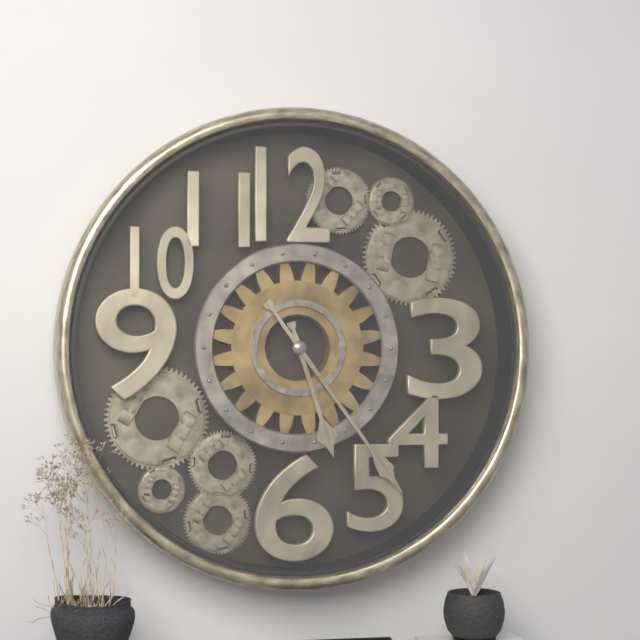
5h24
